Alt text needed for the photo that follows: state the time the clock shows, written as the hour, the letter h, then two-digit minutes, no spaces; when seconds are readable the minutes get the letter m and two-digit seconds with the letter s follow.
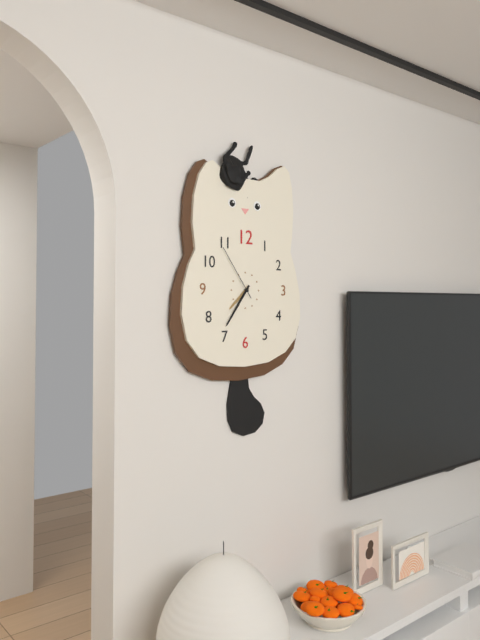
7h36m54s
